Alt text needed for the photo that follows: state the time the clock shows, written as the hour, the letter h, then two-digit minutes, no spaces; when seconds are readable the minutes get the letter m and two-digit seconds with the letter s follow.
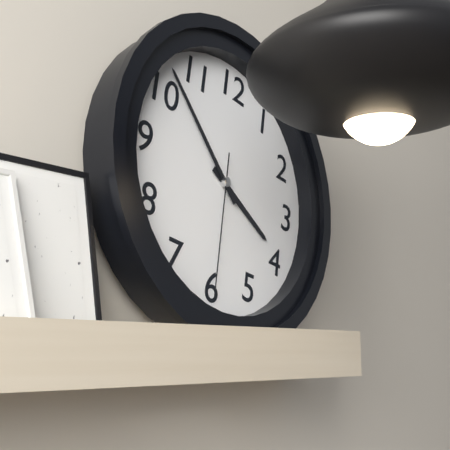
3h52m30s
